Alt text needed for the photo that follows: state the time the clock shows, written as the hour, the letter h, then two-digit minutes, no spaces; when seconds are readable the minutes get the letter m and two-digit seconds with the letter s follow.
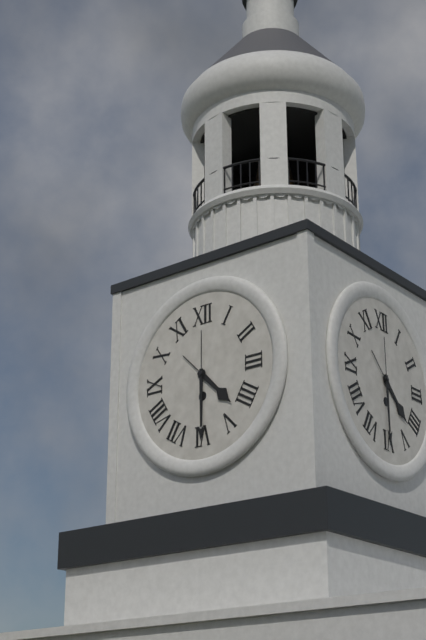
4h30
